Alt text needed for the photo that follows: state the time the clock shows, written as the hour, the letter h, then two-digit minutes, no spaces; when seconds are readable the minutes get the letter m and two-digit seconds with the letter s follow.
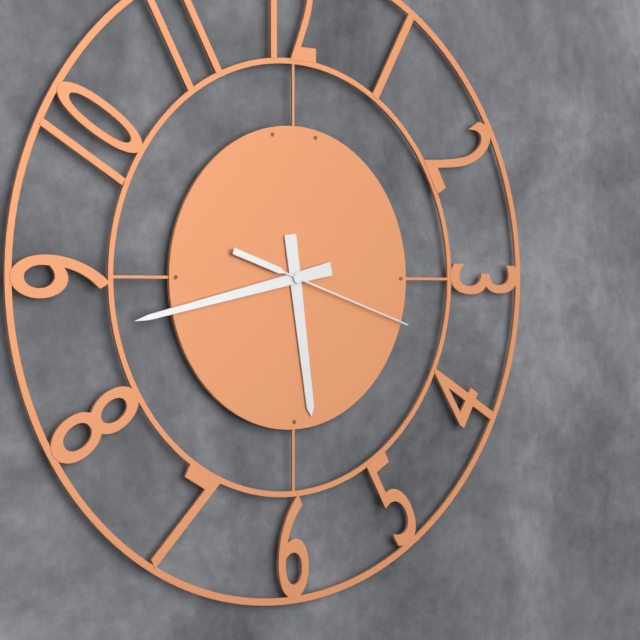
5h43m18s
